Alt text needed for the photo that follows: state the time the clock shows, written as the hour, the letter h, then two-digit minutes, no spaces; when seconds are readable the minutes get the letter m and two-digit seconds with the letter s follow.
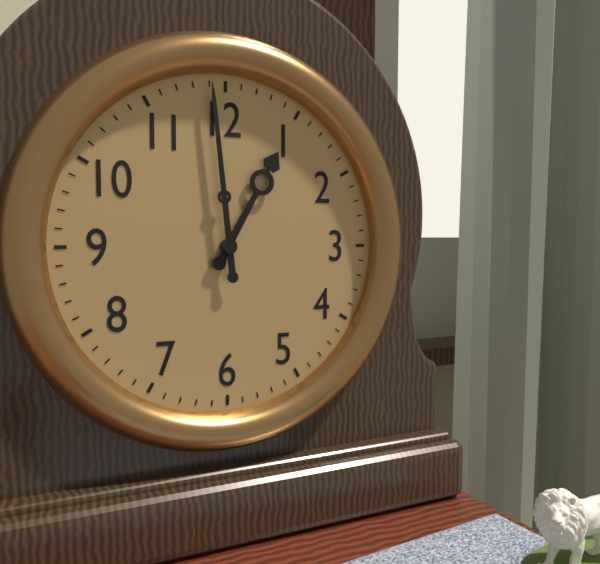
12h59
